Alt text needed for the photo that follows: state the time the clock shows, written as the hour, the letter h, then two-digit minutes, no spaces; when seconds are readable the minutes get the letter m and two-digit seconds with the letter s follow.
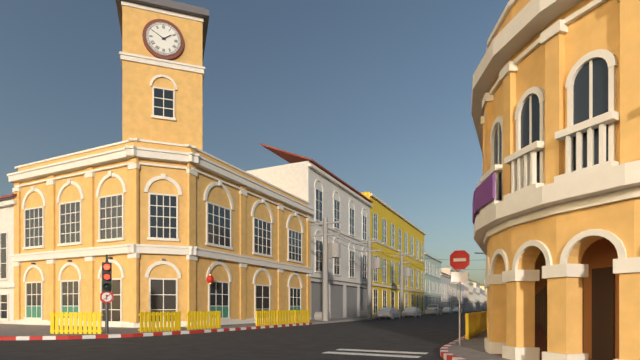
1h50
